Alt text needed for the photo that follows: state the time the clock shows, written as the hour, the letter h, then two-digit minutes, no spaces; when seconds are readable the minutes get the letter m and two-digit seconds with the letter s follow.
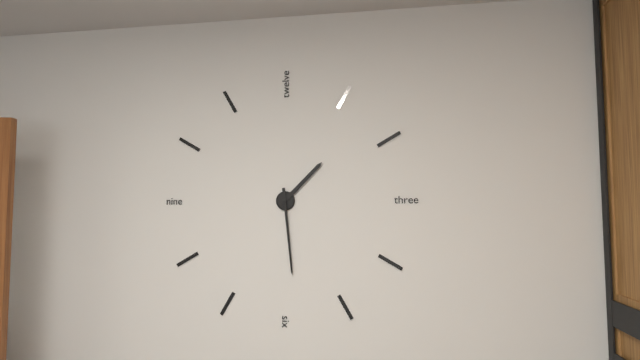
1h29
